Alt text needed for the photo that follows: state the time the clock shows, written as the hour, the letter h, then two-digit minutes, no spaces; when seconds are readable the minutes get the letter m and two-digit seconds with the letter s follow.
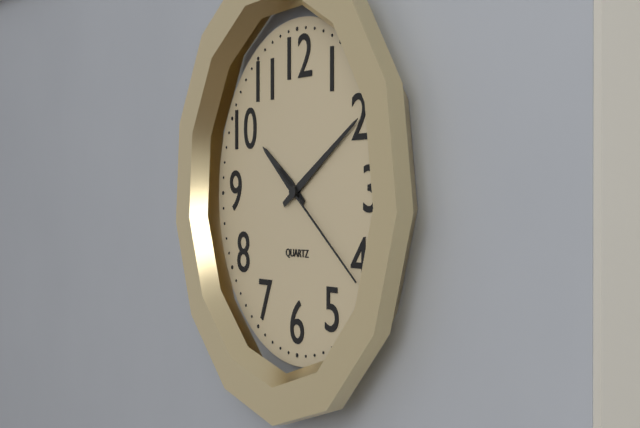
10h10m21s
